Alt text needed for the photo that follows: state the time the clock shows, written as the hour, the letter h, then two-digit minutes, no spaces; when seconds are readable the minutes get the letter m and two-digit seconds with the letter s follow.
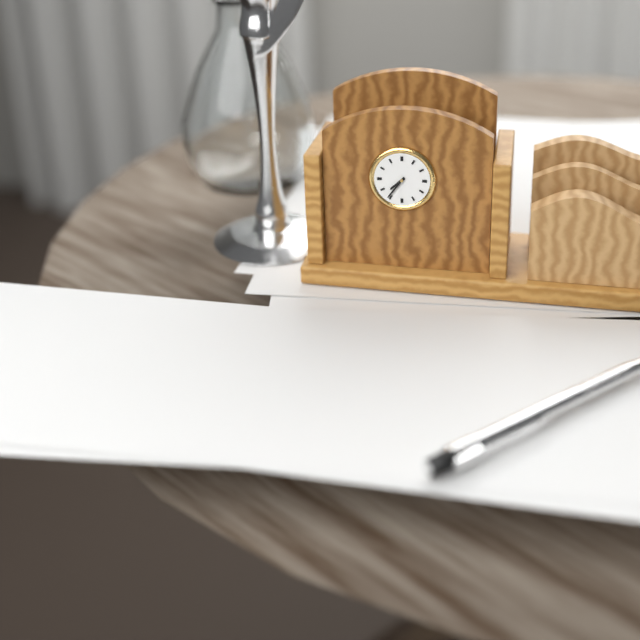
7h36
